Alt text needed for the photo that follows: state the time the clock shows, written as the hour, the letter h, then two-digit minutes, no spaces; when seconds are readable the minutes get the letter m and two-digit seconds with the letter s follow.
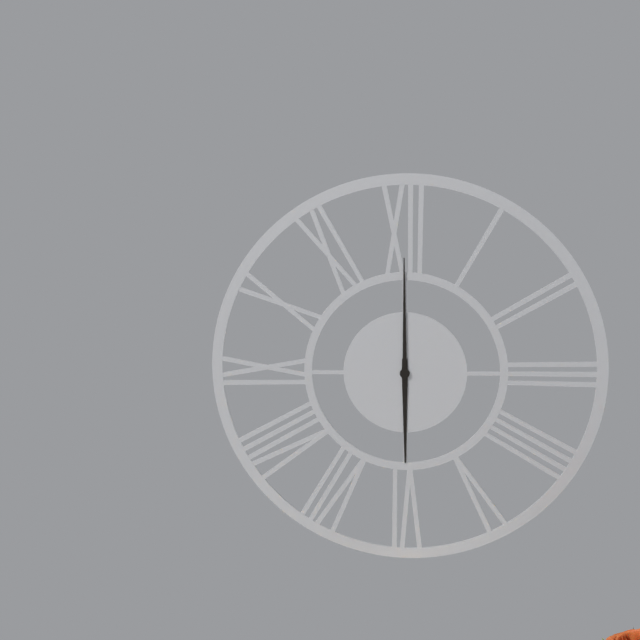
6h00
